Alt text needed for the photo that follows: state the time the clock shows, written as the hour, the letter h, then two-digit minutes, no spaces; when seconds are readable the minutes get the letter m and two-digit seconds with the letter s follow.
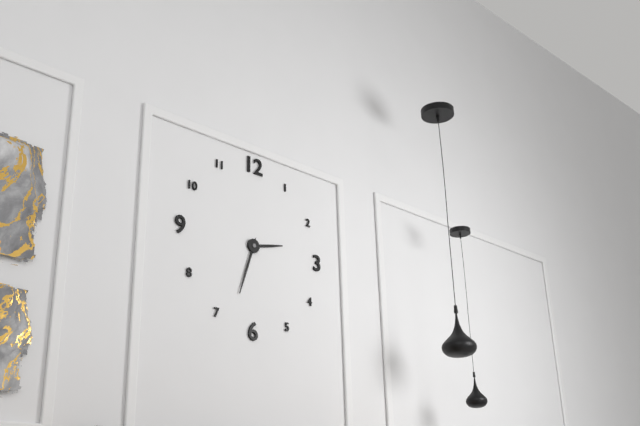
2h33
